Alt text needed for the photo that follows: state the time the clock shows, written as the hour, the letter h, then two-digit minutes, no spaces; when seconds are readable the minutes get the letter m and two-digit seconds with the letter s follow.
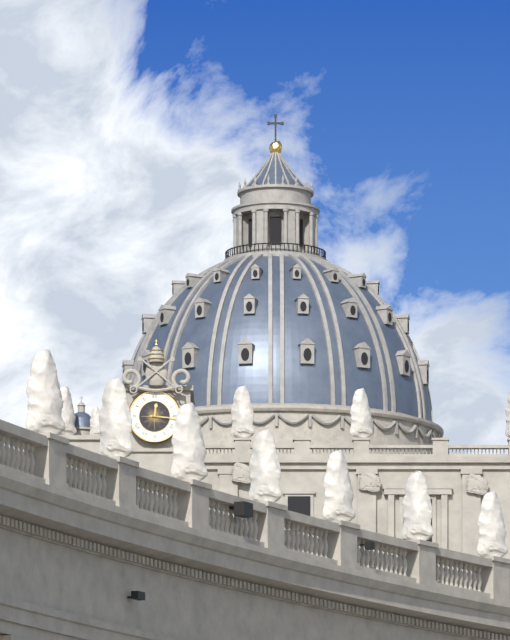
12h16
